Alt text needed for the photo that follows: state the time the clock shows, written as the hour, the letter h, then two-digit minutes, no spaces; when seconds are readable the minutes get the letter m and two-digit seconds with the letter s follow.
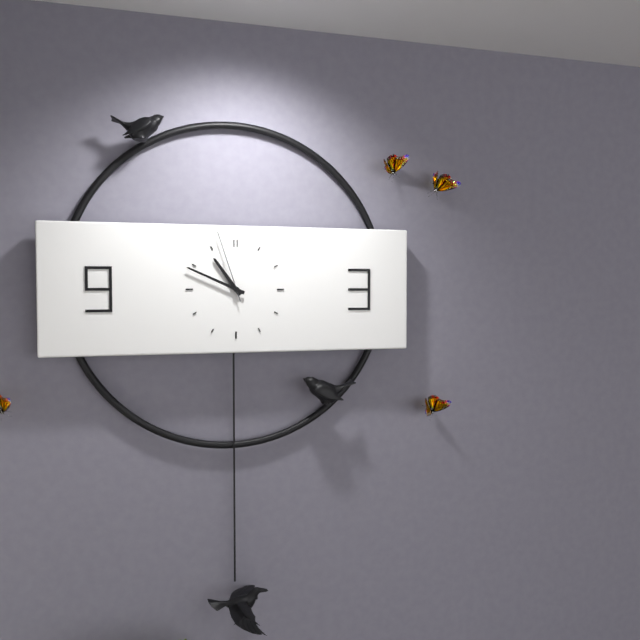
10h49m57s
